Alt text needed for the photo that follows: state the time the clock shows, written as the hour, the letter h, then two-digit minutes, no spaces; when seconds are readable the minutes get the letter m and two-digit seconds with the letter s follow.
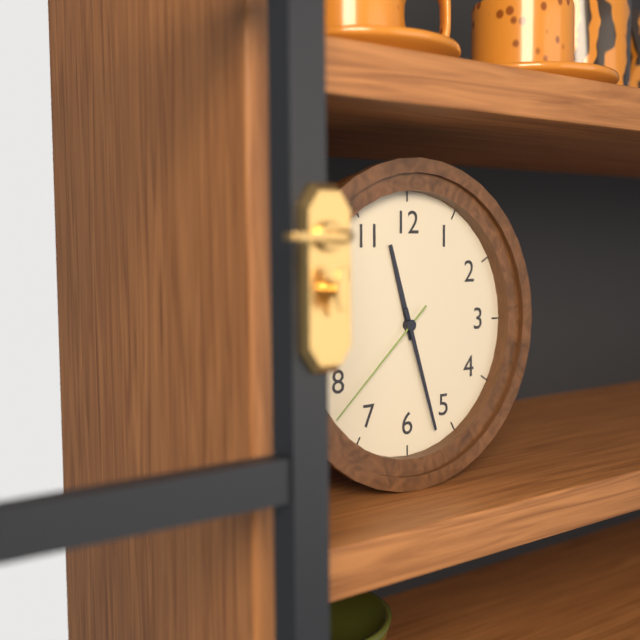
11h27m38s
